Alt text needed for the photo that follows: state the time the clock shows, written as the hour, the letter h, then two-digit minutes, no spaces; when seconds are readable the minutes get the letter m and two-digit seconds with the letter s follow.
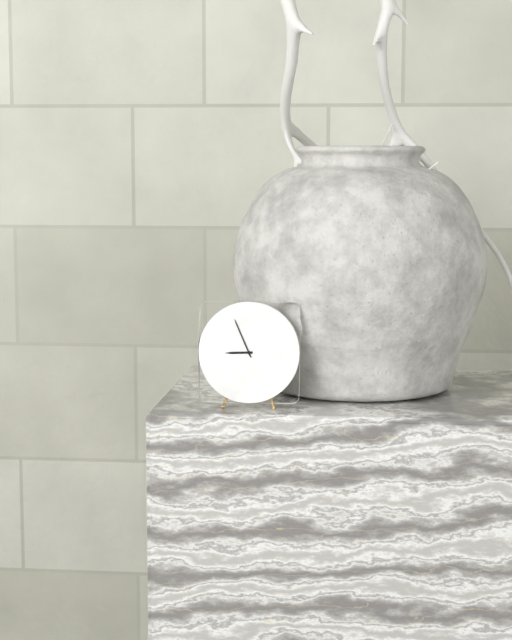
8h56
